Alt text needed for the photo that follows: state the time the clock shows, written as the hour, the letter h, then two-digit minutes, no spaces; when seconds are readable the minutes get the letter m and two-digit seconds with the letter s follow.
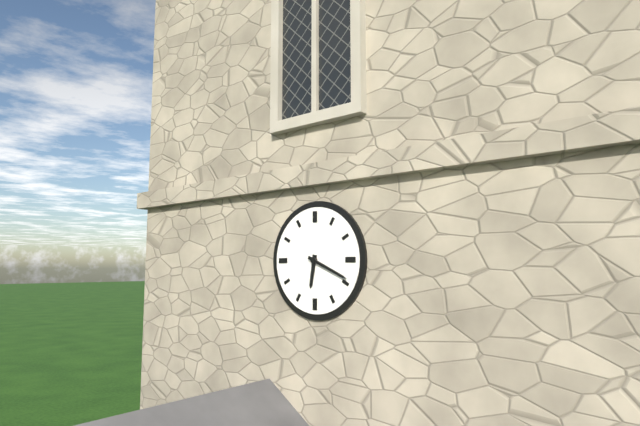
6h19
